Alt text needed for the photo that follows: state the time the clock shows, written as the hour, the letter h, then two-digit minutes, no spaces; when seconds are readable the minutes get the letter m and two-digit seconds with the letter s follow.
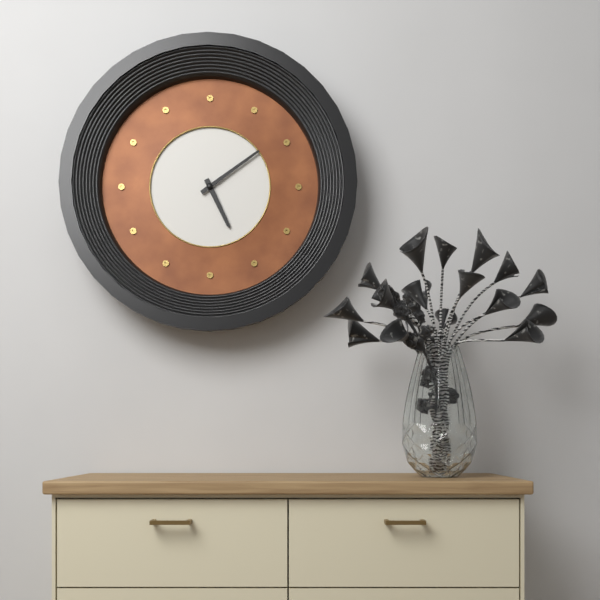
5h09
